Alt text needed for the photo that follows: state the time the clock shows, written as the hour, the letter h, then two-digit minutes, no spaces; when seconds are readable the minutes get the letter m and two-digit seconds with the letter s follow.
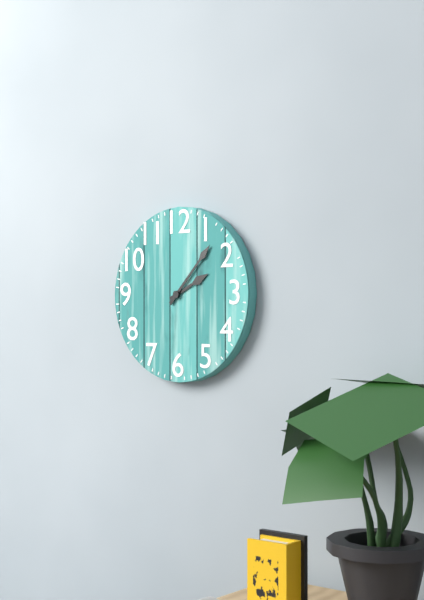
2h07
